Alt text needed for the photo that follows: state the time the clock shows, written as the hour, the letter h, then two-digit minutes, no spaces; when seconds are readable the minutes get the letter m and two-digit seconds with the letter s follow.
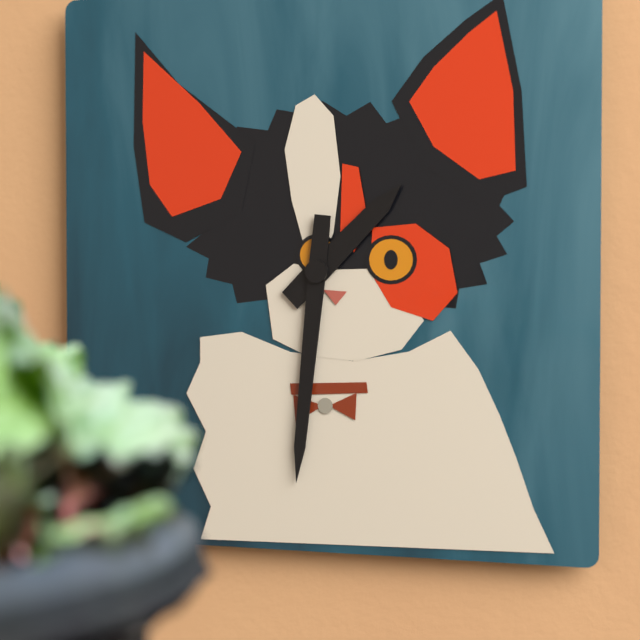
1h31
